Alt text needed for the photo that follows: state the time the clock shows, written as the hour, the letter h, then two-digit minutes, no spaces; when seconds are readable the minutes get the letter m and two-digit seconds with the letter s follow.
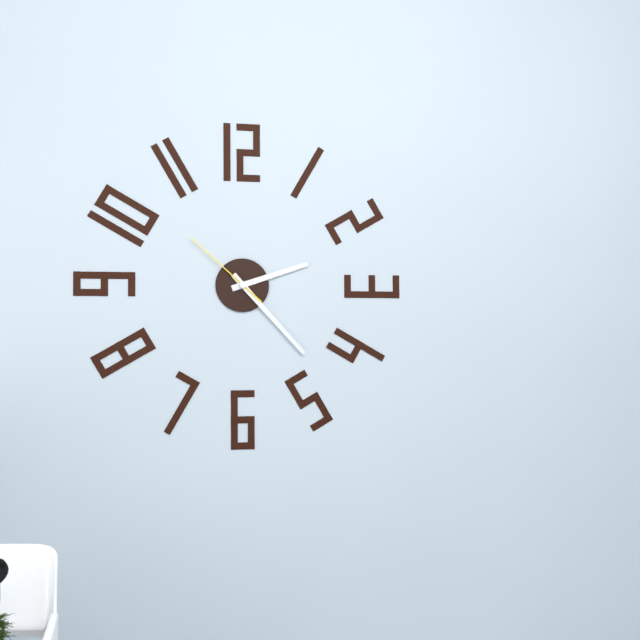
2h23m52s
